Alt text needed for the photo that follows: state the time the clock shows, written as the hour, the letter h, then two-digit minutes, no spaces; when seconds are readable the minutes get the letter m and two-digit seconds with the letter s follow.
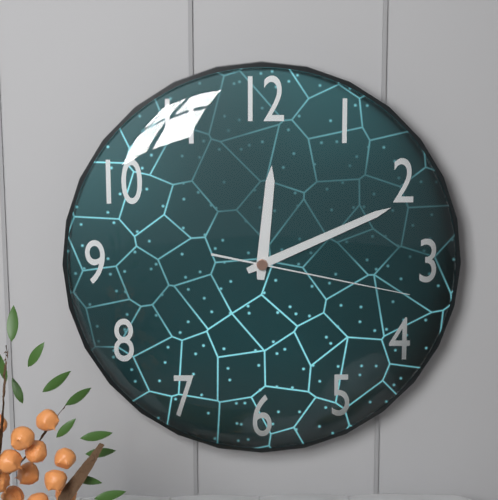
12h11m17s
